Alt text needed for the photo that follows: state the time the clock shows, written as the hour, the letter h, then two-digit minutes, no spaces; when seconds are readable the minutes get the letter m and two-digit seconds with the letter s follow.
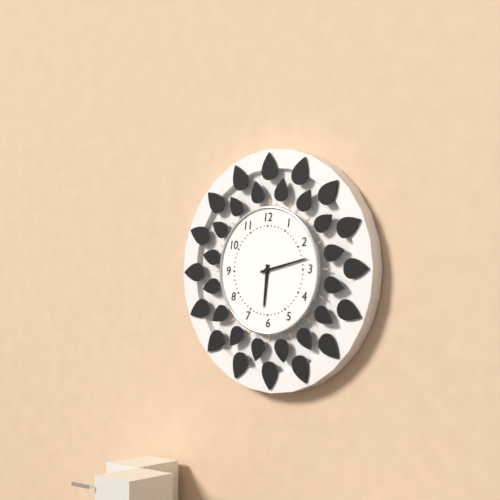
6h13
